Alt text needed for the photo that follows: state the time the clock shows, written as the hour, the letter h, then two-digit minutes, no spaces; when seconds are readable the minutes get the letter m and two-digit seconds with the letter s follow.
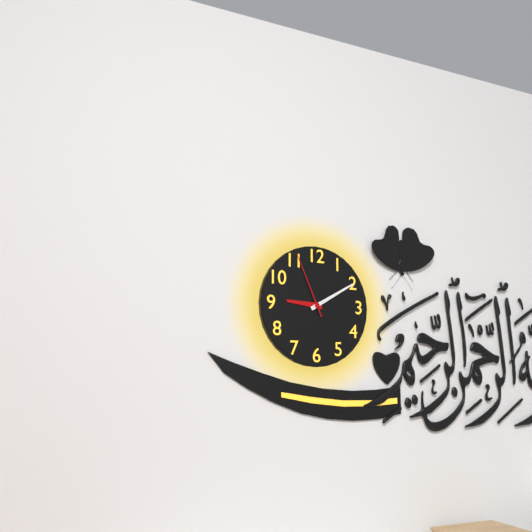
9h10m56s
